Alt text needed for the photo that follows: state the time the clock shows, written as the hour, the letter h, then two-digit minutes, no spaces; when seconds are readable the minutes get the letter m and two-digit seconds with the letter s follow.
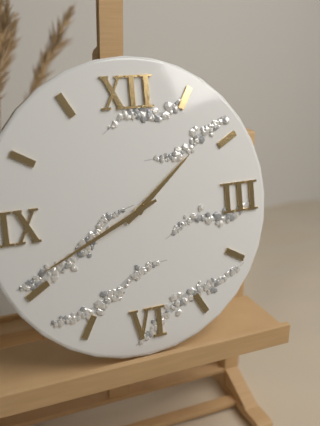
1h41
